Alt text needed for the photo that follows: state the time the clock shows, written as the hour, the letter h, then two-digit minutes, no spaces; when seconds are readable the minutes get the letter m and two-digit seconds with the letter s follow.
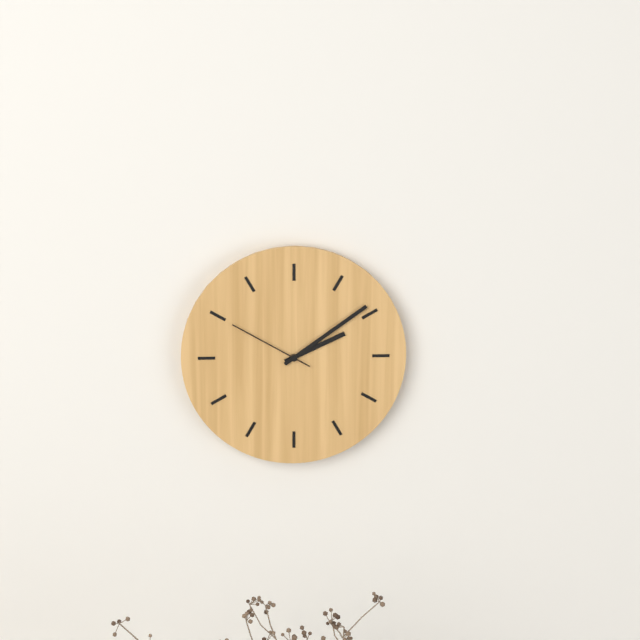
2h09m50s
